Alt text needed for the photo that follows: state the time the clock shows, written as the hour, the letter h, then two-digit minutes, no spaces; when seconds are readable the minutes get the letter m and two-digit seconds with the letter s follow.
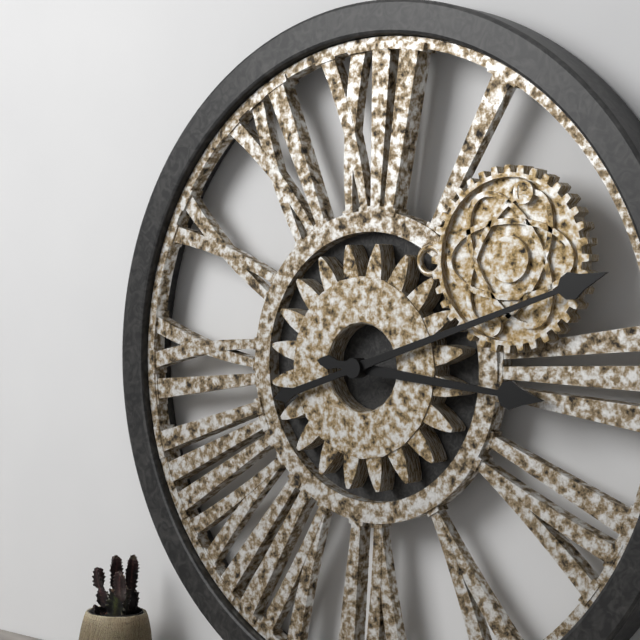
3h12
